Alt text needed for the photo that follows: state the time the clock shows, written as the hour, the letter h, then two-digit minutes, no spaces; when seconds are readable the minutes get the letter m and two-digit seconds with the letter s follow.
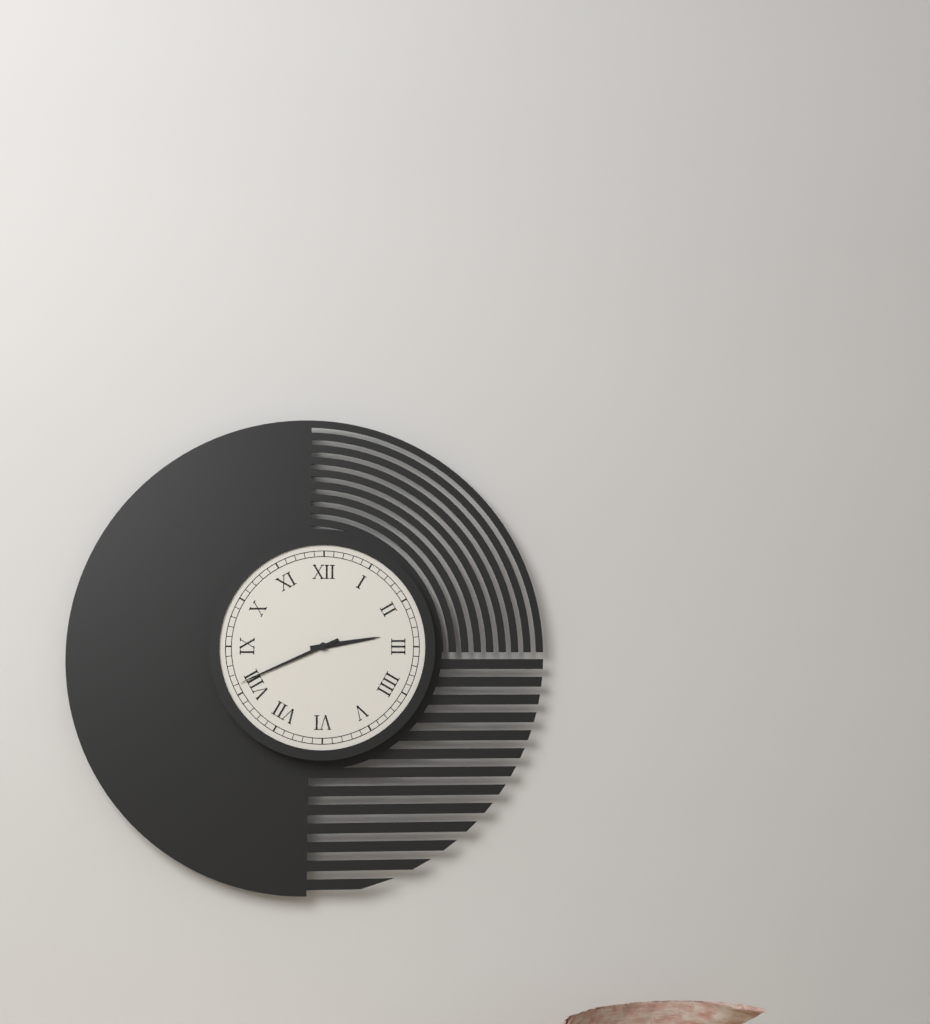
2h41
